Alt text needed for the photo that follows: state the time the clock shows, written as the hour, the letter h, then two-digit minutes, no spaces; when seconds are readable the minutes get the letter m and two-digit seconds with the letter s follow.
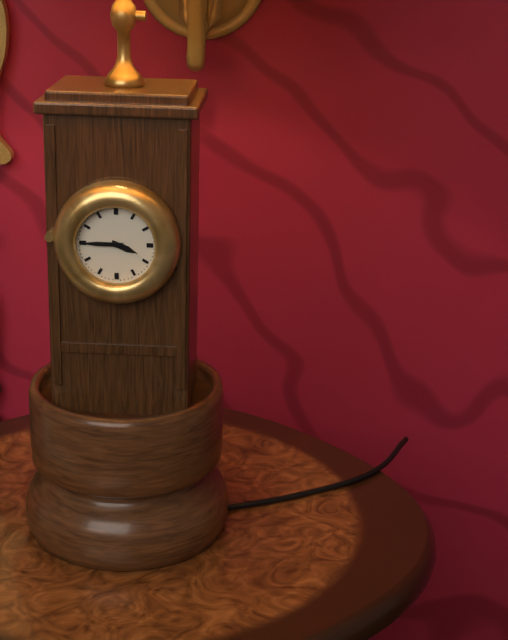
3h45
